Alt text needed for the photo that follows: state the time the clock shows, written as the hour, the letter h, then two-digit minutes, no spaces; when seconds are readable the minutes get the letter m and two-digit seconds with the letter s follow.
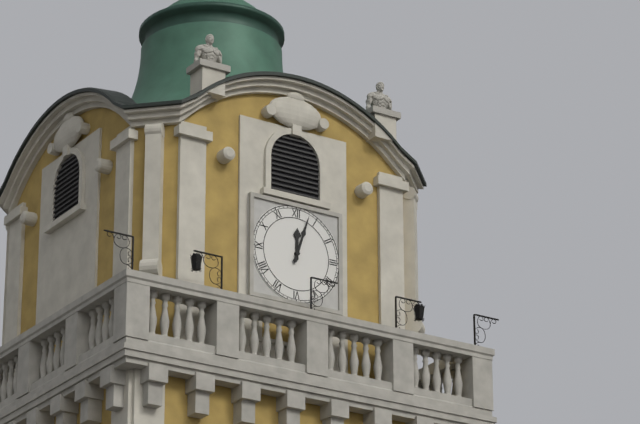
12h03
